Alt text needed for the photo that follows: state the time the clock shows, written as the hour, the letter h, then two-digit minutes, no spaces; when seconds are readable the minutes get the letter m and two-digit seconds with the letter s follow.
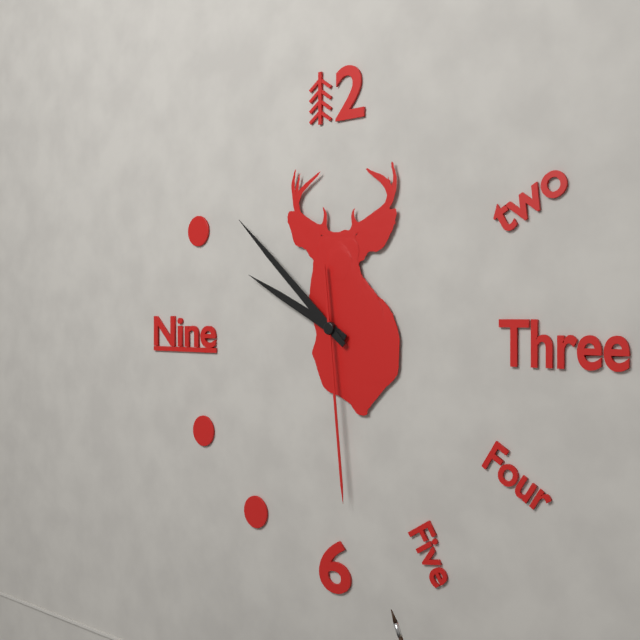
9h52m29s
